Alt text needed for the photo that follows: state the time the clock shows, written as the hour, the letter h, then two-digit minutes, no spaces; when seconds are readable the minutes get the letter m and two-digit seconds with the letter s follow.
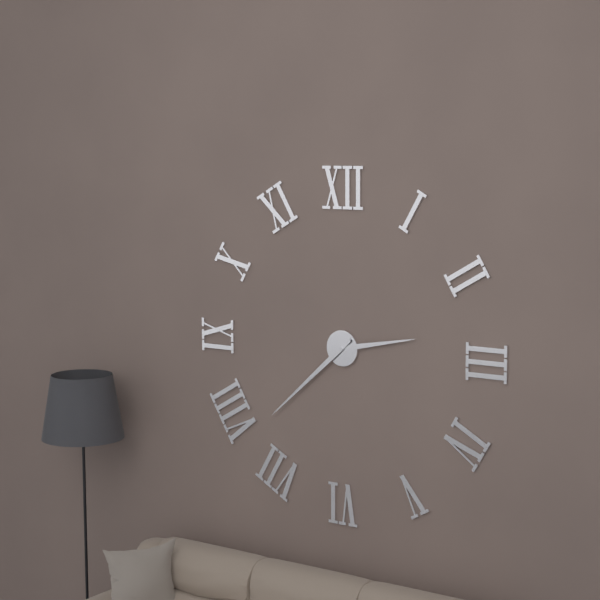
2h38
